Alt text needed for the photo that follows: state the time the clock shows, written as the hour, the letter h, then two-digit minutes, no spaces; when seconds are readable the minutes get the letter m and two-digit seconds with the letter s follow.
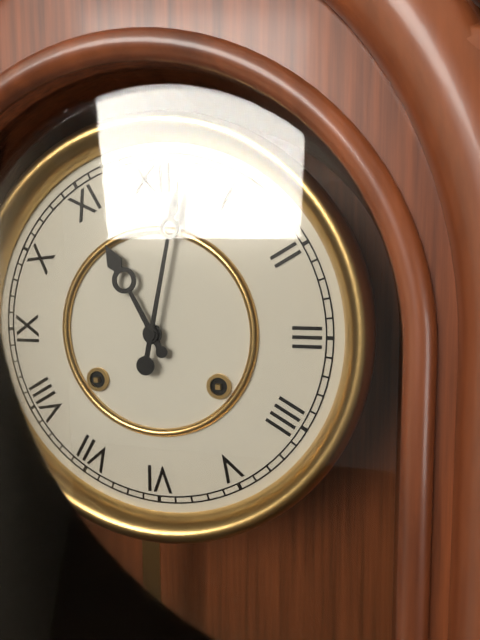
11h02
